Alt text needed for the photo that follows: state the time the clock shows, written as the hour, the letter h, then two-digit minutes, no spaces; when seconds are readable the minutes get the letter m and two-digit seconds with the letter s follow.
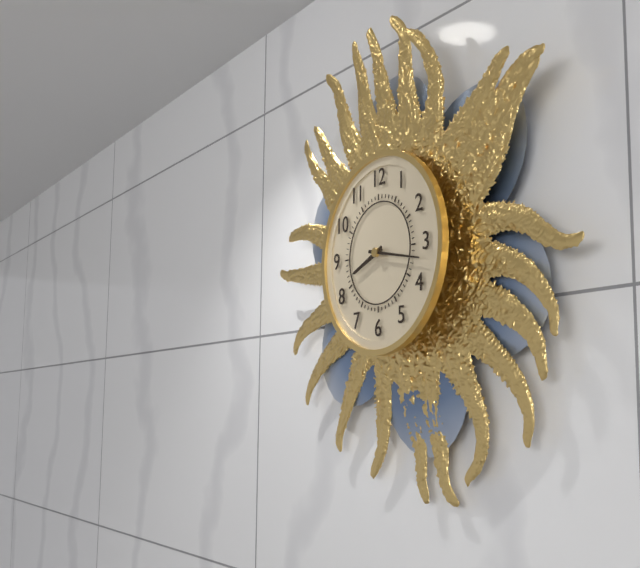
8h17
